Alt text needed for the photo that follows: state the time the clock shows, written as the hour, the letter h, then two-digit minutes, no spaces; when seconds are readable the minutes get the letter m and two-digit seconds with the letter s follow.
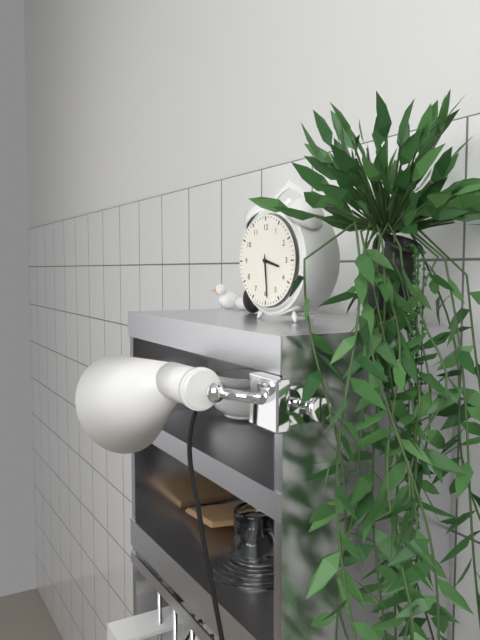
3h29
